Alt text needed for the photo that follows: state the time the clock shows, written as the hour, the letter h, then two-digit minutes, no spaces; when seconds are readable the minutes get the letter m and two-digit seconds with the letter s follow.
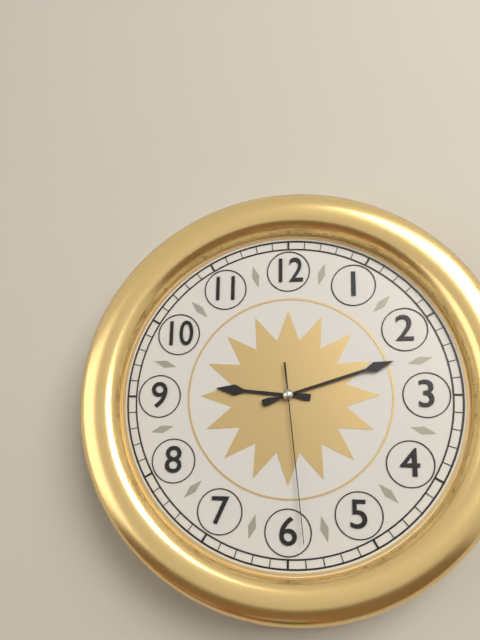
9h12m29s
